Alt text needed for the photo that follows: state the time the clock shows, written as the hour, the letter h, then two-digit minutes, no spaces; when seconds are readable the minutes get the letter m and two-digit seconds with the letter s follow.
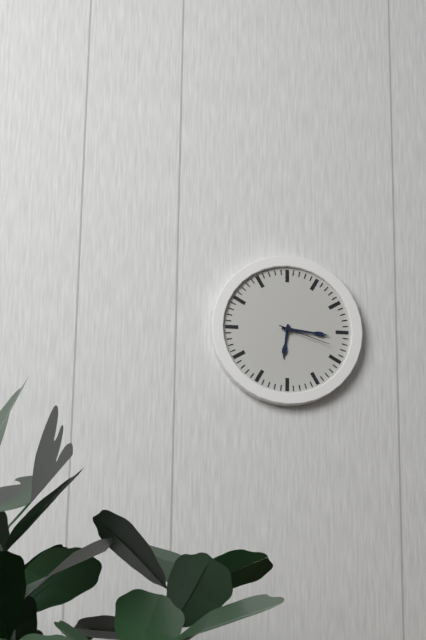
6h16m18s
